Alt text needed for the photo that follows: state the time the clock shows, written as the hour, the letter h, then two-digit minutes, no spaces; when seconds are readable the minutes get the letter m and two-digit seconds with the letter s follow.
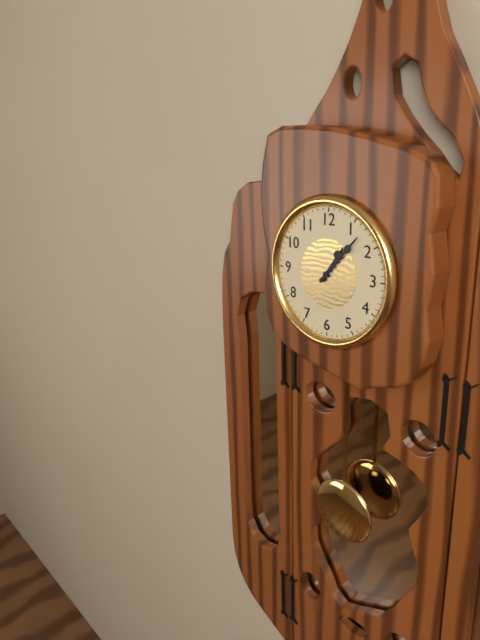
1h07
